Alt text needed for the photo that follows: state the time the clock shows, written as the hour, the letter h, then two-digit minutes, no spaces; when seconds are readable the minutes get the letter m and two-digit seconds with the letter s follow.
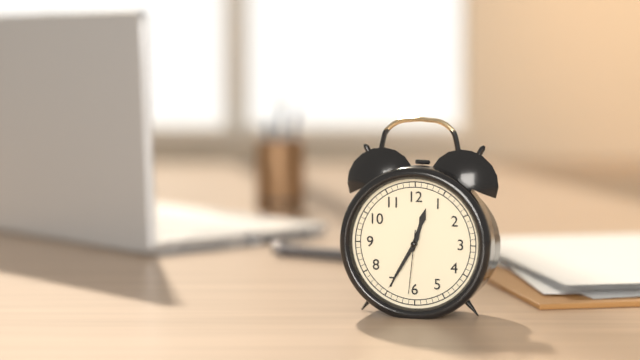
12h35m31s
